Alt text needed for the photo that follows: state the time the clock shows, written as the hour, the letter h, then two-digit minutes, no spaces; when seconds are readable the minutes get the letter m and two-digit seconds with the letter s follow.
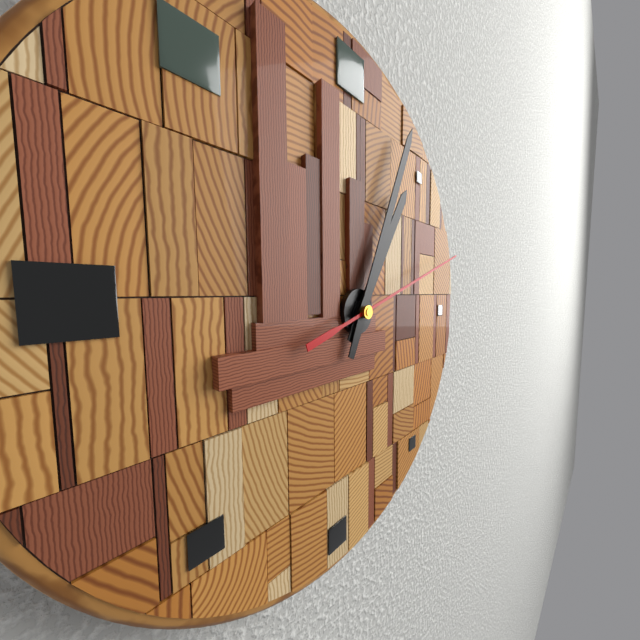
1h04m12s
